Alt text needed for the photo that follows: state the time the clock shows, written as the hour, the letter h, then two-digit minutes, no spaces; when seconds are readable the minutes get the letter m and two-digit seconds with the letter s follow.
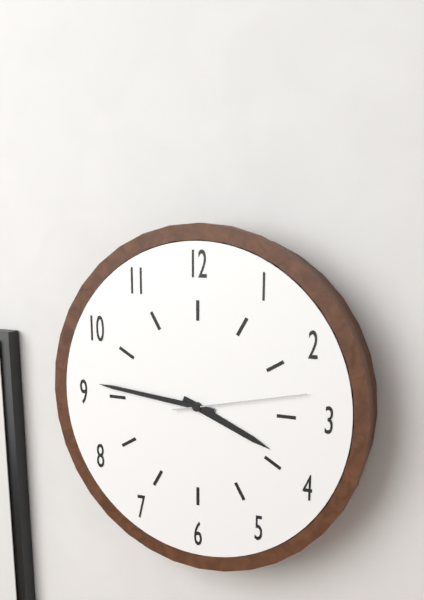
3h46m13s
